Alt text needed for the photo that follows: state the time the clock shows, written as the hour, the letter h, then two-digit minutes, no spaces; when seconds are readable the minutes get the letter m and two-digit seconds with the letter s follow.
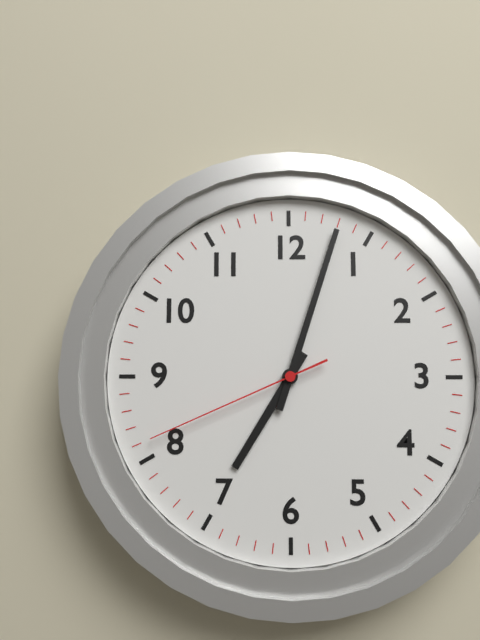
7h03m41s
